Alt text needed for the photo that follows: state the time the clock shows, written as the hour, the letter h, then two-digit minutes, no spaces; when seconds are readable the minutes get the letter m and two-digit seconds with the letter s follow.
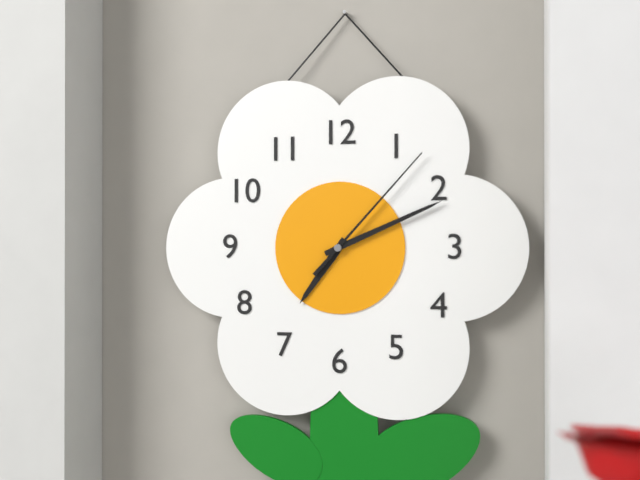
7h11m07s
